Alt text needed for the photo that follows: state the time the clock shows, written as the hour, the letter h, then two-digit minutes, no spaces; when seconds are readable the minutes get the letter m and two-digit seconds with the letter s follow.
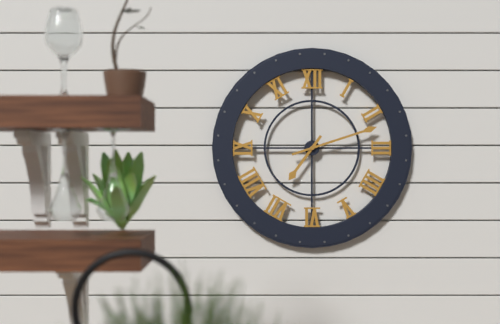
7h12
